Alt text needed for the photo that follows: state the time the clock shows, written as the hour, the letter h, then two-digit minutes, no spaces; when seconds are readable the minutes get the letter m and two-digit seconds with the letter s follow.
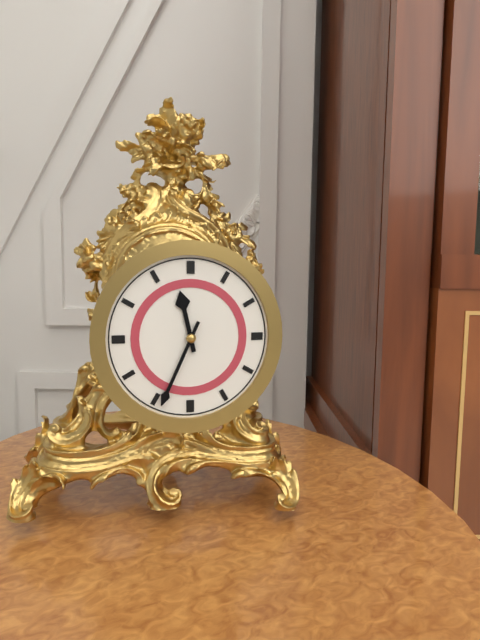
11h34
